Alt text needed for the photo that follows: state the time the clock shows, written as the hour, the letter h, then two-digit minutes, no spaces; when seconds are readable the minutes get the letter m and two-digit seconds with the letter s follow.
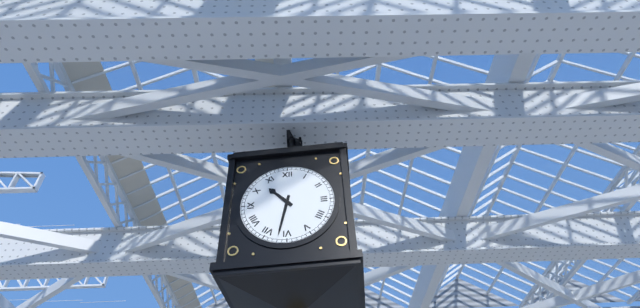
10h32
